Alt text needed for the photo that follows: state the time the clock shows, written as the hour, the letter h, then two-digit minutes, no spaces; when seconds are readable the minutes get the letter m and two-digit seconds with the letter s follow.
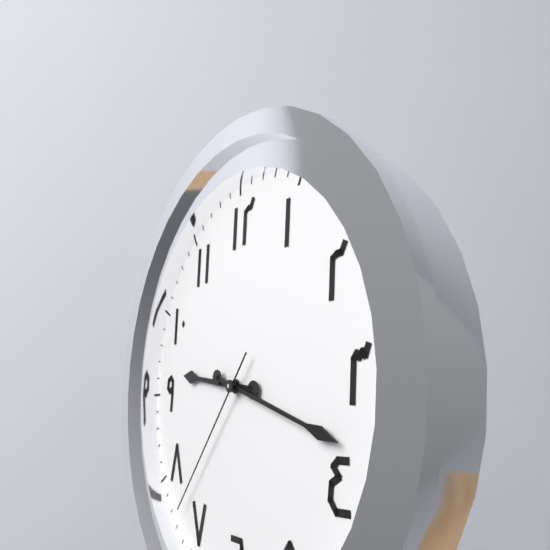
9h18m37s
